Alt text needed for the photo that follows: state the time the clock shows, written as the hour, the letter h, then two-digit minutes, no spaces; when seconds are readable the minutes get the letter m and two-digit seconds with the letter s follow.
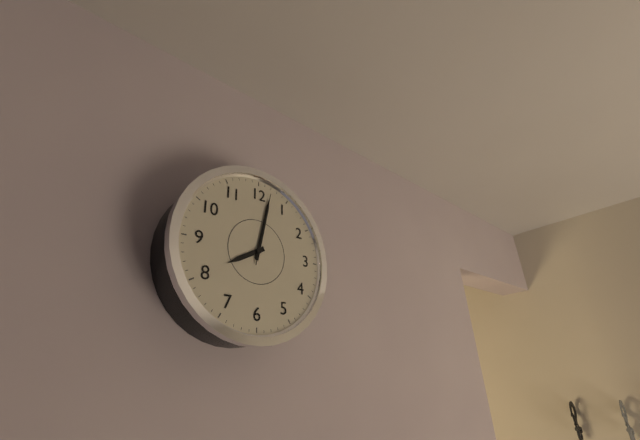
8h02m02s
